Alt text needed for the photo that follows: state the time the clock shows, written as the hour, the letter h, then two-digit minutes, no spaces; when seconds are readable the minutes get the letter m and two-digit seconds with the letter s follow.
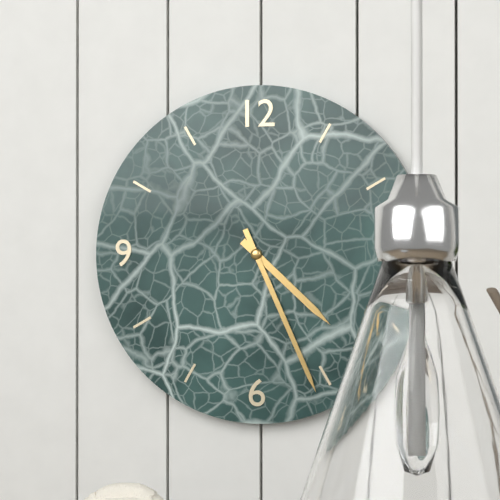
4h26
